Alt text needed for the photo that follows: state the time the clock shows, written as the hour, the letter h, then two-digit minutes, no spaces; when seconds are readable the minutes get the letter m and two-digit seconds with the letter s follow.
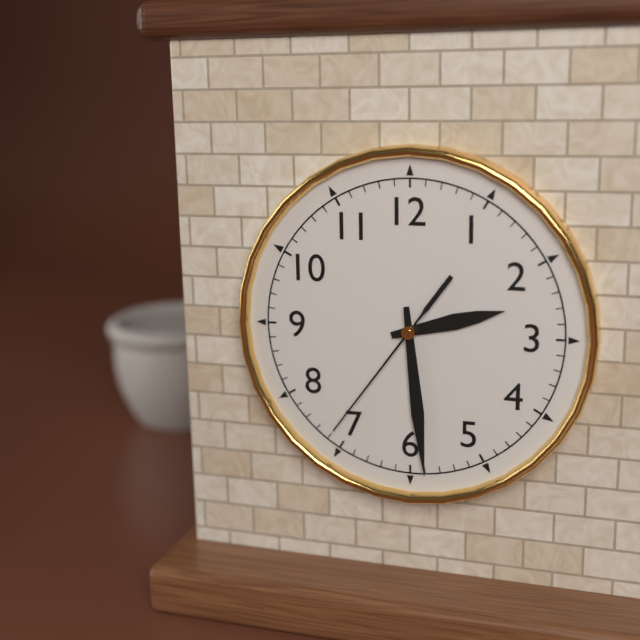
2h29m36s
